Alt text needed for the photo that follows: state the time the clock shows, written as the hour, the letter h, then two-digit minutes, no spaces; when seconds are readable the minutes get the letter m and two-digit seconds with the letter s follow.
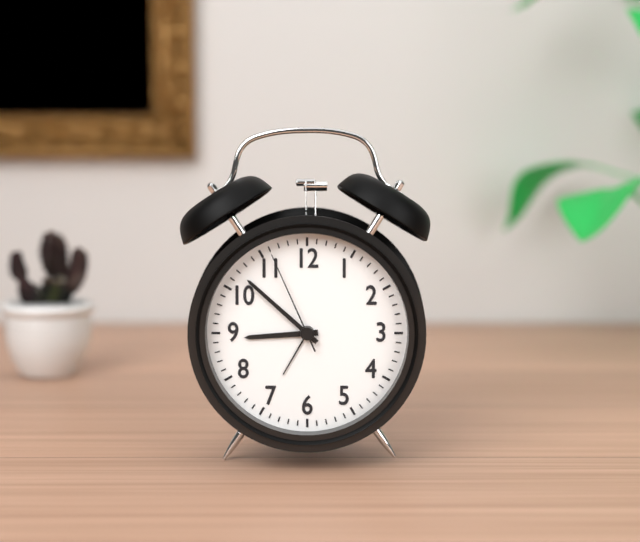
8h52m56s
